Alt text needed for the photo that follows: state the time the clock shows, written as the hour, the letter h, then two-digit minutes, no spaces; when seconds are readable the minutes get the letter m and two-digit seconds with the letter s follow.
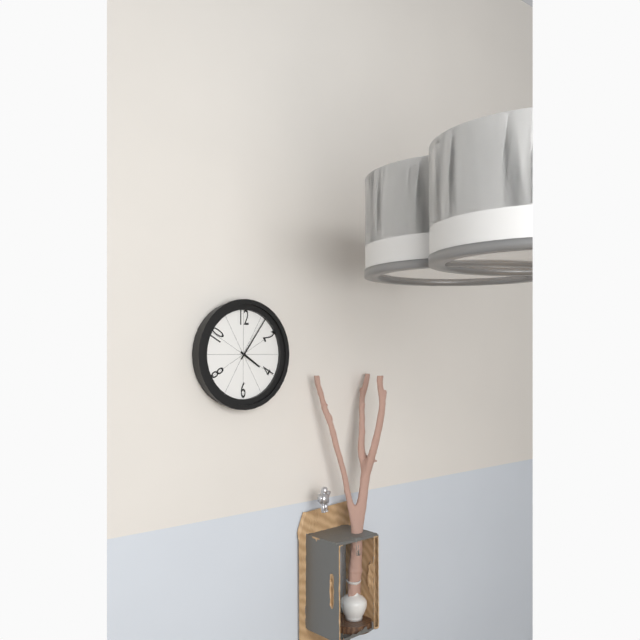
4h06
